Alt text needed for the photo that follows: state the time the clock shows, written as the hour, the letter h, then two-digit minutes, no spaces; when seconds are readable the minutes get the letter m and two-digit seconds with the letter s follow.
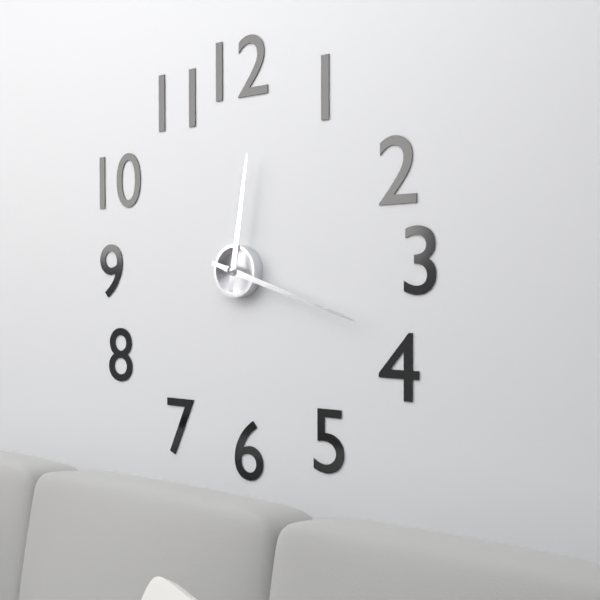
12h18
